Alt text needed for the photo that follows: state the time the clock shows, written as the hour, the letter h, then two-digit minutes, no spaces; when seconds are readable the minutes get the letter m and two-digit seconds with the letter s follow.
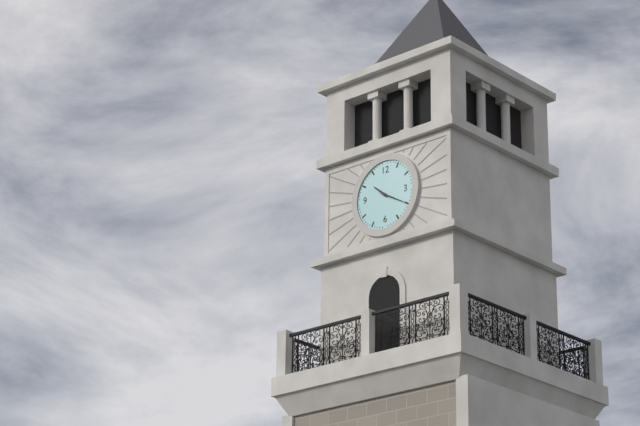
10h20
